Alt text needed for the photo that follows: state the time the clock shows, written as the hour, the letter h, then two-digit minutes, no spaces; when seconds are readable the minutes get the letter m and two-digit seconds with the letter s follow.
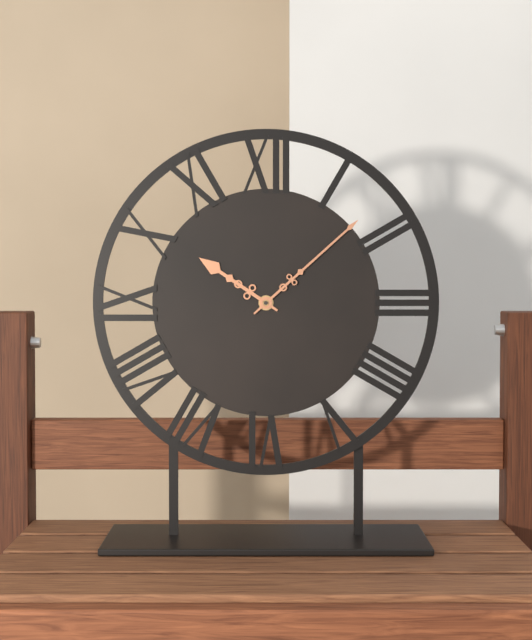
10h08
